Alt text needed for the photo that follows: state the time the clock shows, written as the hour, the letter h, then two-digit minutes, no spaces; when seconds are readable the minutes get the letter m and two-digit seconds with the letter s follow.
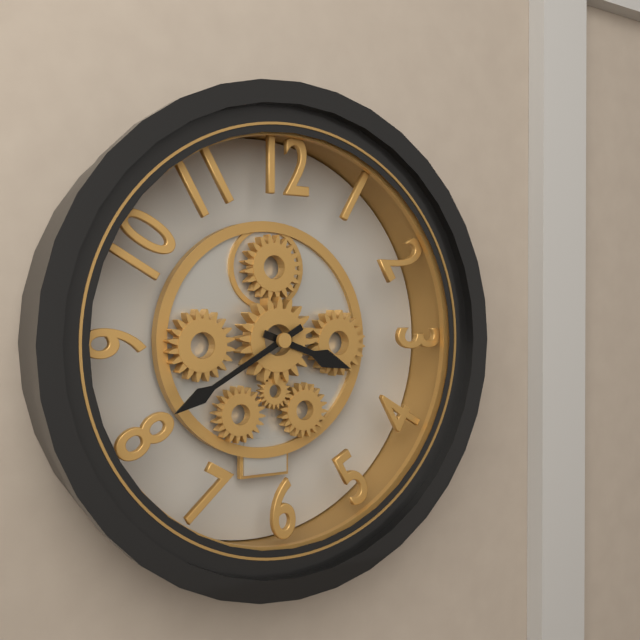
3h40
